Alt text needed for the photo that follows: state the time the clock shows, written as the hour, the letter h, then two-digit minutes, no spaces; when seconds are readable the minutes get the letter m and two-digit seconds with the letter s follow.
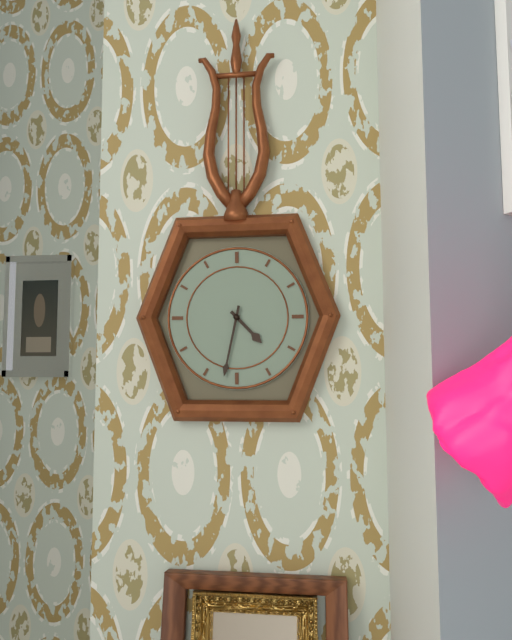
4h32
